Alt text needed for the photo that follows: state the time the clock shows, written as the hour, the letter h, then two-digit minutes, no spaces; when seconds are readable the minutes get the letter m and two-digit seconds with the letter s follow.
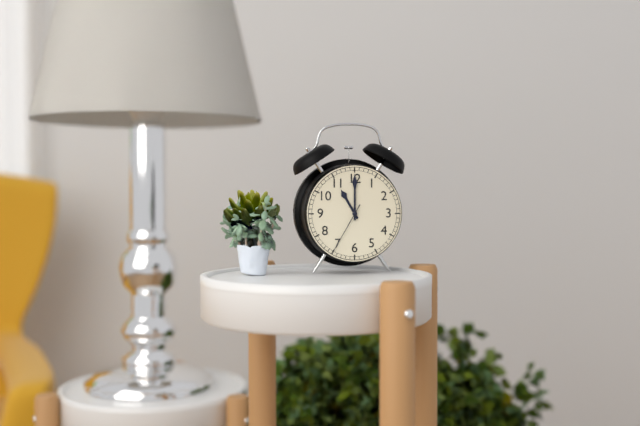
11h00m35s
